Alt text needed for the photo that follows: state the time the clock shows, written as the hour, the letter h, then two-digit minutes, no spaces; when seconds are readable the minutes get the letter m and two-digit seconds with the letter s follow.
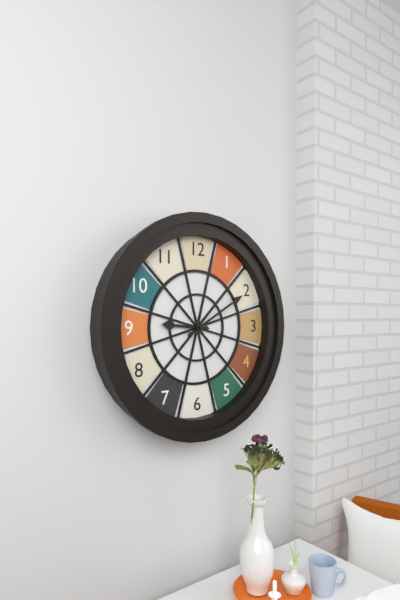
9h10
